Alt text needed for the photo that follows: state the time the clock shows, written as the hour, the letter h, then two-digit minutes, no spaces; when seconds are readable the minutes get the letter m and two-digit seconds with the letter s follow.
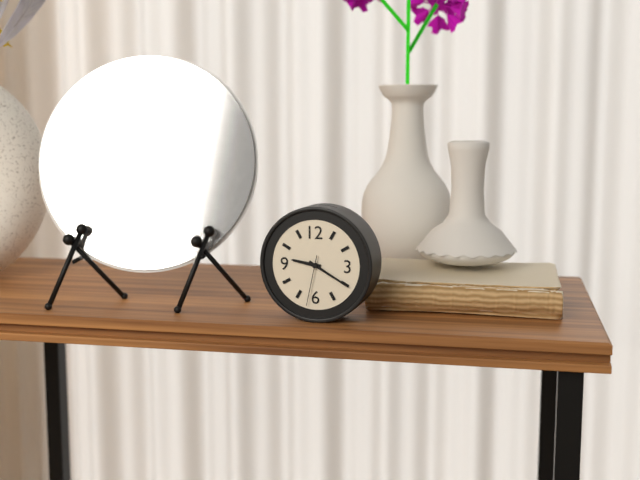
9h20m32s
